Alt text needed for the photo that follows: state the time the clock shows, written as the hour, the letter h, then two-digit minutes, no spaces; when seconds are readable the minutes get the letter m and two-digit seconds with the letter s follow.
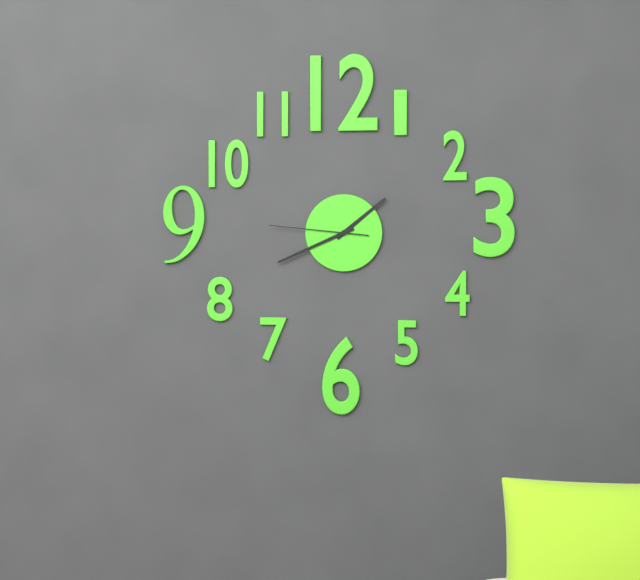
1h41m46s
